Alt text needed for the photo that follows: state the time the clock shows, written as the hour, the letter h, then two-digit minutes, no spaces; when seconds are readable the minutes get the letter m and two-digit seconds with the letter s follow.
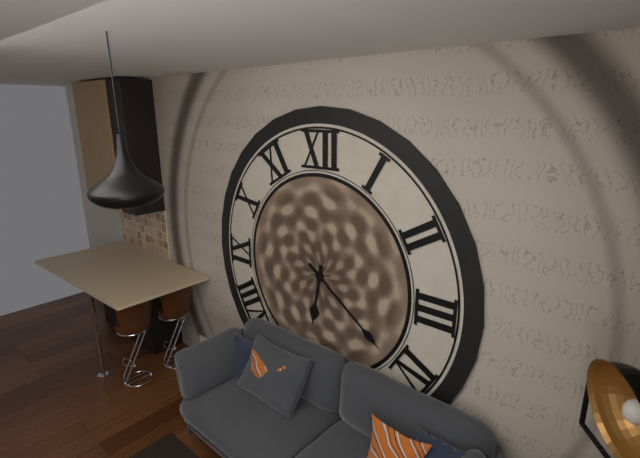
6h21
